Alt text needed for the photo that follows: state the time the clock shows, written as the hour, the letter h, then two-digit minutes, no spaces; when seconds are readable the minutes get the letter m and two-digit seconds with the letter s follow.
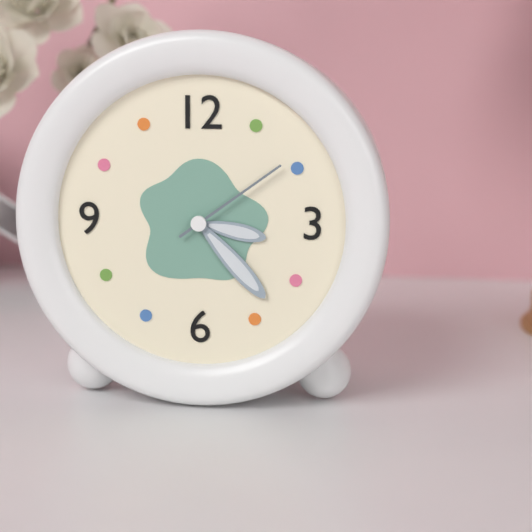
3h23m09s
